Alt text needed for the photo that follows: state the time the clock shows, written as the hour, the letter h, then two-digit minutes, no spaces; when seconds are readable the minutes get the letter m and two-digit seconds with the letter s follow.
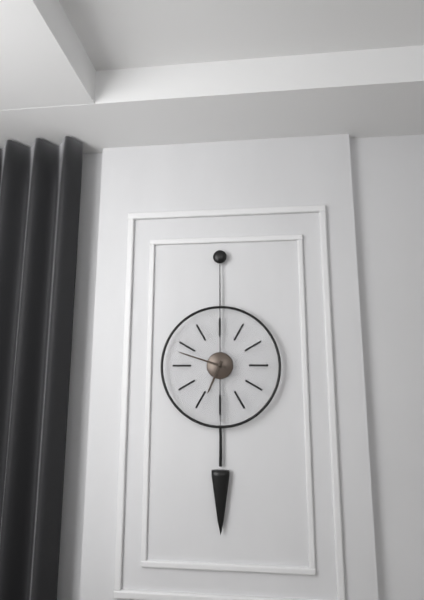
6h48
